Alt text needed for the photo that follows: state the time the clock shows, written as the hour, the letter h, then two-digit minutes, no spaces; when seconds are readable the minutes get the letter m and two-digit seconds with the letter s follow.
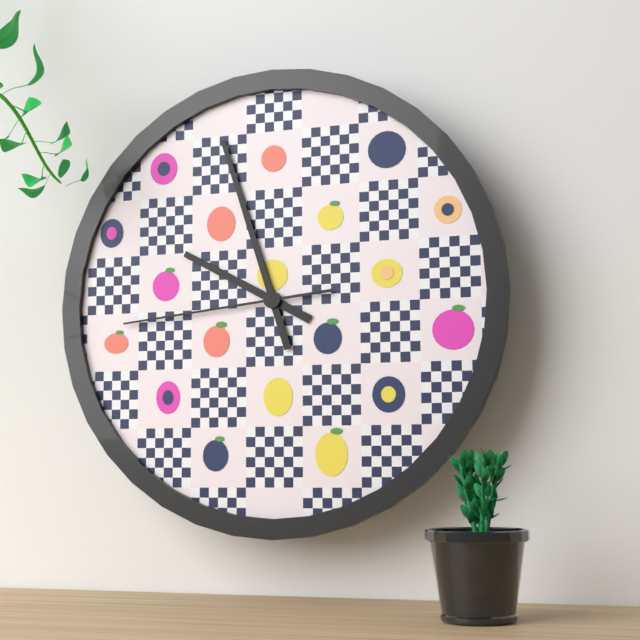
9h57m44s
